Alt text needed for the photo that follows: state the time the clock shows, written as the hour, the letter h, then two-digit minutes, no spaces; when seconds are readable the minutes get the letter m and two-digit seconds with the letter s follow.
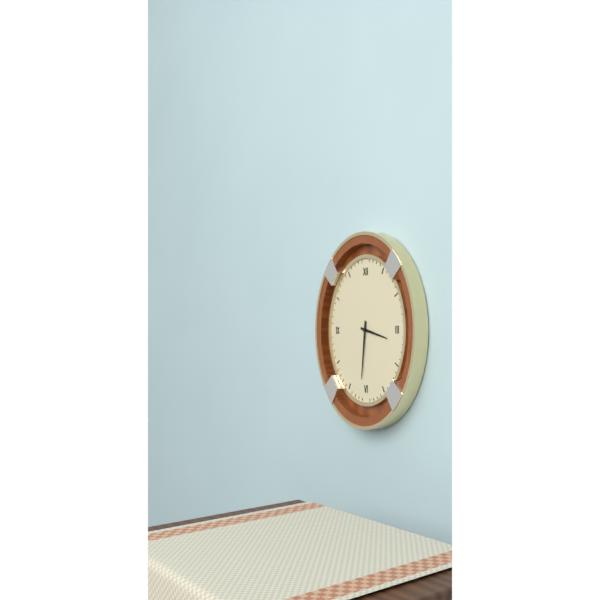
3h31
